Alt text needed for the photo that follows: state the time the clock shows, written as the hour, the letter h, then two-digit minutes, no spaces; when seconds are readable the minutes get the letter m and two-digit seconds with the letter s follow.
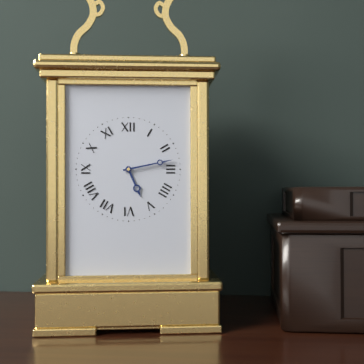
5h13
